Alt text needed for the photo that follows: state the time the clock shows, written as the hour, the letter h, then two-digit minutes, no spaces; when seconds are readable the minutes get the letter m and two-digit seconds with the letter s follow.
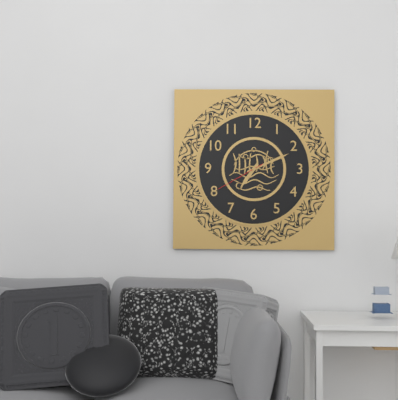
7h11m40s
